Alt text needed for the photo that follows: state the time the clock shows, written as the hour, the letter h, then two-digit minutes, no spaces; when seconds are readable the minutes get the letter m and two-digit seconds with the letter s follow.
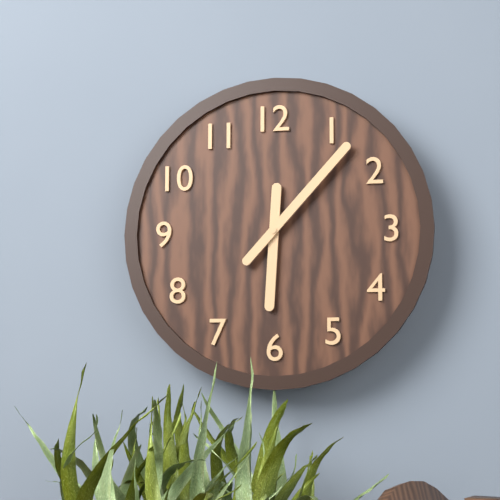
6h07
